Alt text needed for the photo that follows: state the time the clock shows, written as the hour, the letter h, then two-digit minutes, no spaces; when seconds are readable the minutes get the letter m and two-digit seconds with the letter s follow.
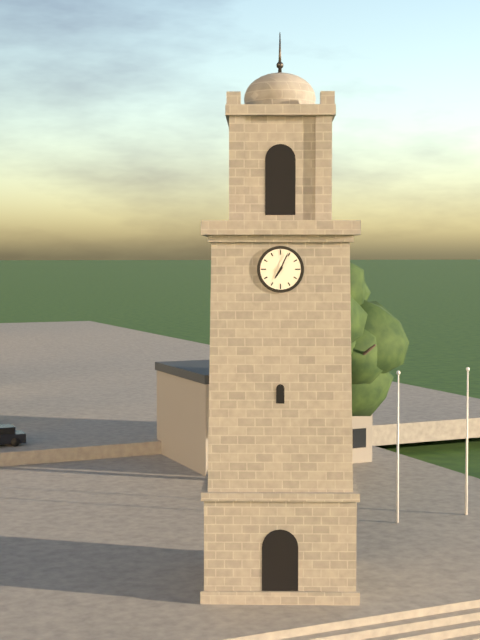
7h04
